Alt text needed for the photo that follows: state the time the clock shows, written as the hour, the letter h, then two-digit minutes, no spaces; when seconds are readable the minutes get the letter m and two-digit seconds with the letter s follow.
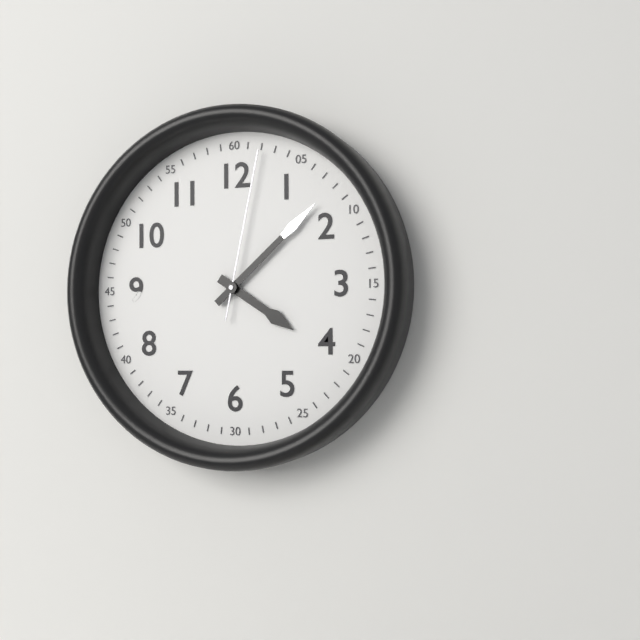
4h08m02s
